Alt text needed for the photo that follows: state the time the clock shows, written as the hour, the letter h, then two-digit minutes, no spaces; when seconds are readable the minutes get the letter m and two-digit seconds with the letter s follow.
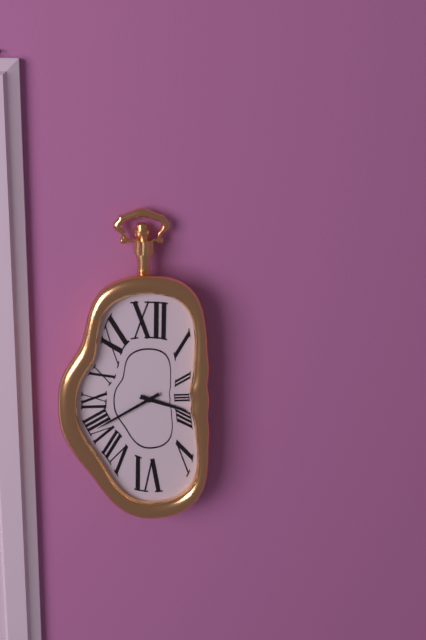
3h40
